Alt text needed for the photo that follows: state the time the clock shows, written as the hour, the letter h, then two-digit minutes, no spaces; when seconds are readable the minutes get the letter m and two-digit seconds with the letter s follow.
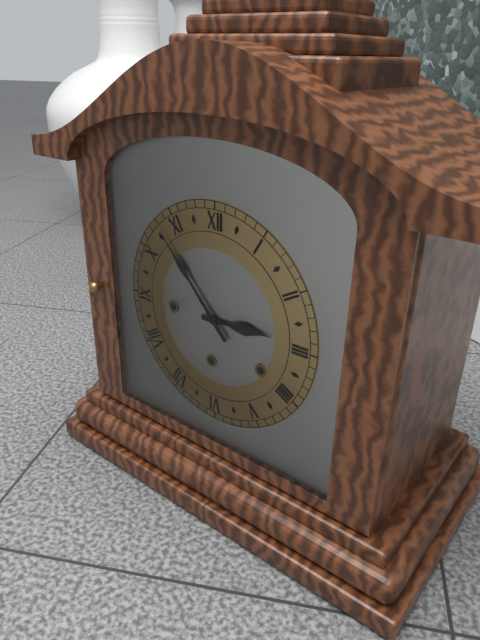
2h53
